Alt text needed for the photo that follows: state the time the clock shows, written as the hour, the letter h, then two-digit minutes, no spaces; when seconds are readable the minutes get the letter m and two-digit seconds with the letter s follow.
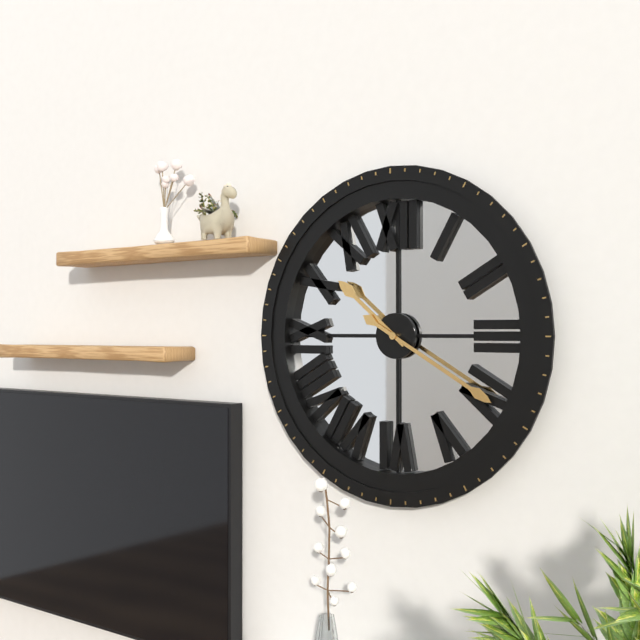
10h20
